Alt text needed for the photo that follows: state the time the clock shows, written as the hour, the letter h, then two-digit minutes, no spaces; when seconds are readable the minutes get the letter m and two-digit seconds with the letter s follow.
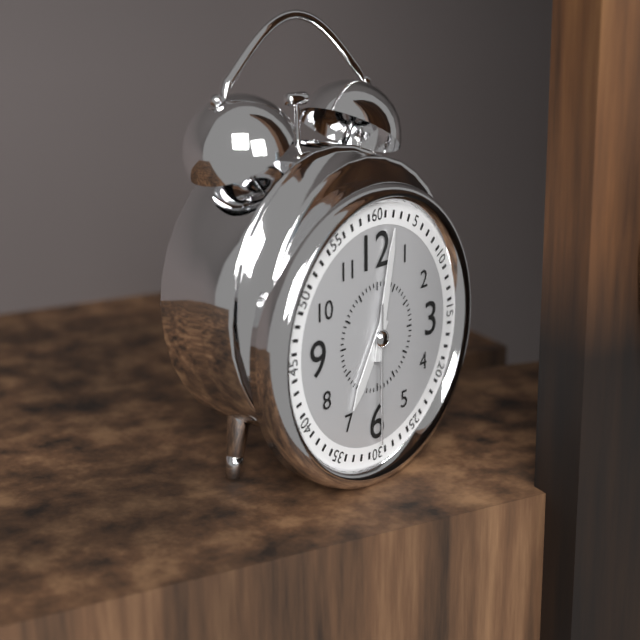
7h02m30s
